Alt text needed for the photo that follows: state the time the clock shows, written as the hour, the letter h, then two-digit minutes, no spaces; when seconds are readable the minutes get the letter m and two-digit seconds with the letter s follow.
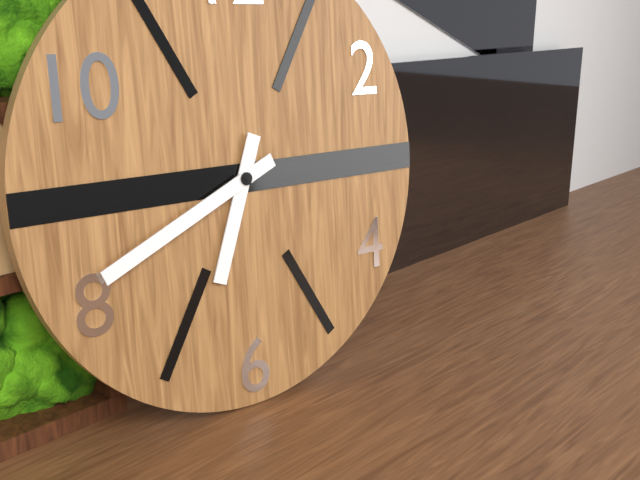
6h41
